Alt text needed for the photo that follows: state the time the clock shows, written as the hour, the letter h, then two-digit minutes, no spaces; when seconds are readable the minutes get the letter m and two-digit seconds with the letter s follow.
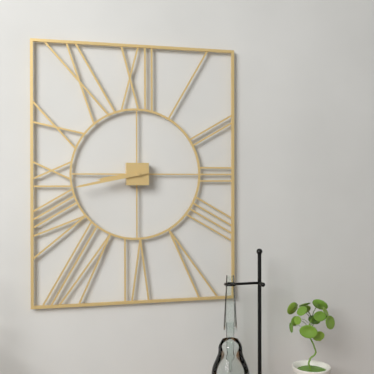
8h43
